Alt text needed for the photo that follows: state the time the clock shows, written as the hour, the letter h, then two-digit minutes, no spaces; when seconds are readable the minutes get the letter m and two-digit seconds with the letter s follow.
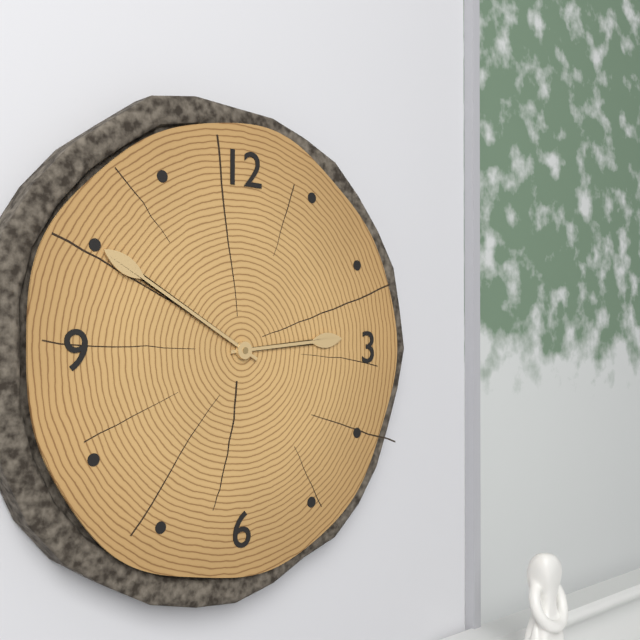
2h50
